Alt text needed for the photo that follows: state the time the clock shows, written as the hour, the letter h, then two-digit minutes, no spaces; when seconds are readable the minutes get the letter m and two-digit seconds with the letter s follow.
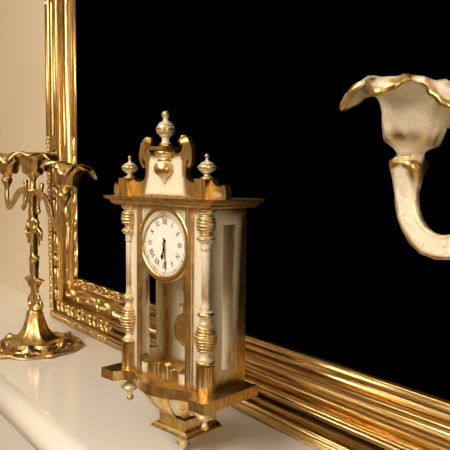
6h29
